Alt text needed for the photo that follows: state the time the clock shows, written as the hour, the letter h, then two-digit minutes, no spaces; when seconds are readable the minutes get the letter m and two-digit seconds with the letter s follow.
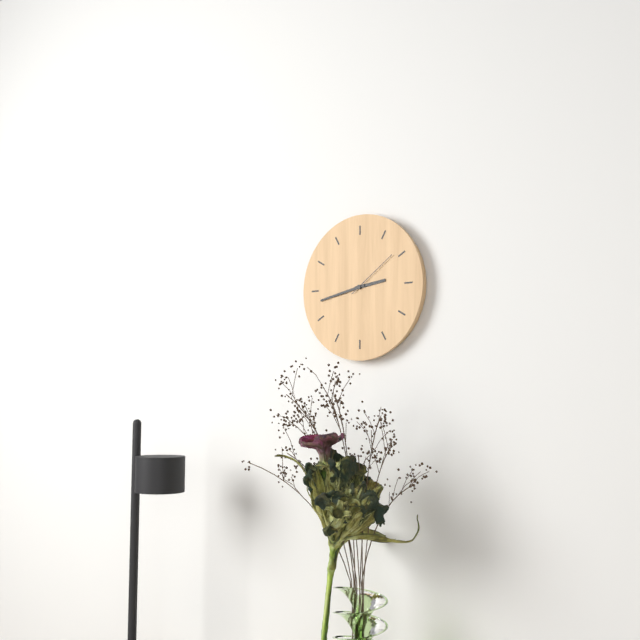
2h43m09s
